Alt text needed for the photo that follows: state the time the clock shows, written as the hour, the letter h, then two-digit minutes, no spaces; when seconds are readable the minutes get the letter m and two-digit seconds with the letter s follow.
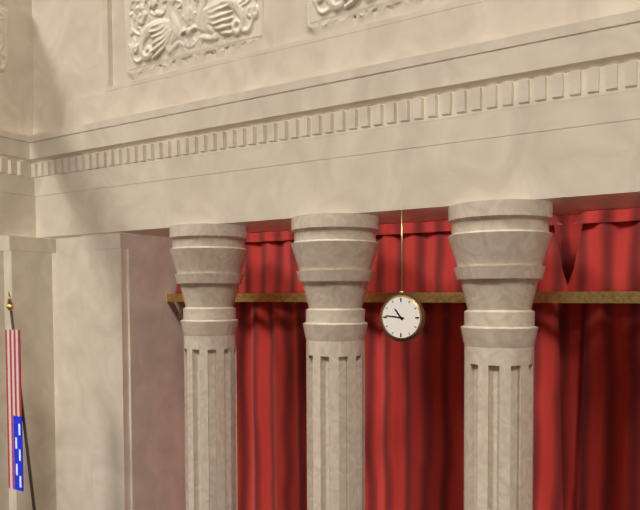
10h46
